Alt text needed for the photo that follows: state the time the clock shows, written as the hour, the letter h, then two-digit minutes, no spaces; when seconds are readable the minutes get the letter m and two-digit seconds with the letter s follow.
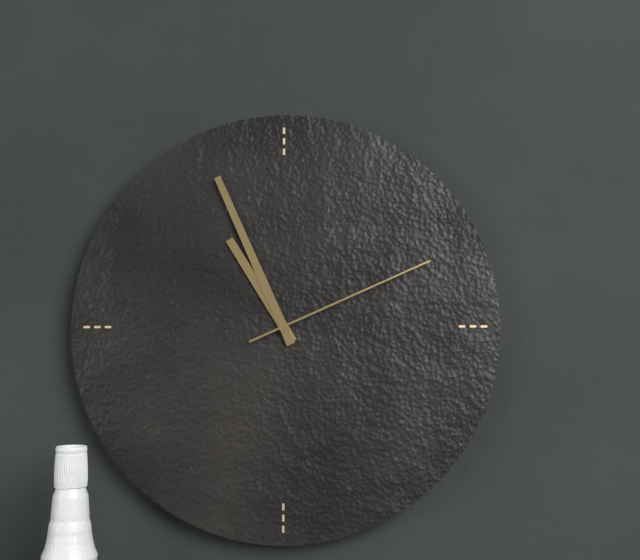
10h56m11s
